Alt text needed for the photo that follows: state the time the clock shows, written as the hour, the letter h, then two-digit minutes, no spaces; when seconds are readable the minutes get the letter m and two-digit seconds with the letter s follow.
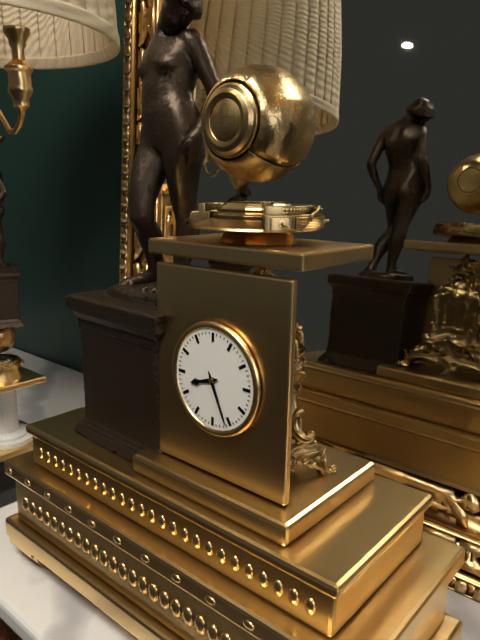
8h26
